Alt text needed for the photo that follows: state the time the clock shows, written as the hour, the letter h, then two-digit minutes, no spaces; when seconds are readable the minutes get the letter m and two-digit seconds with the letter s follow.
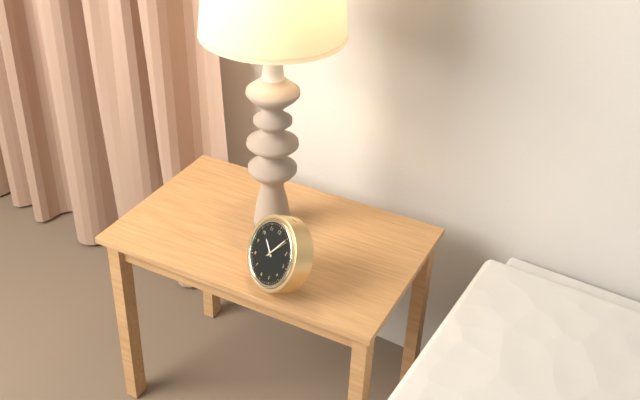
10h05
